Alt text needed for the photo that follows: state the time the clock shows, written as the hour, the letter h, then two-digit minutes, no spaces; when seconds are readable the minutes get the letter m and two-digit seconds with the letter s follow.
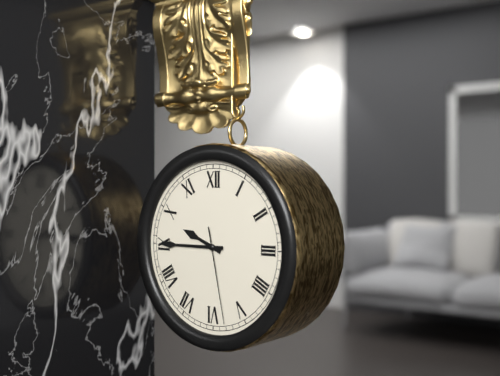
9h45m28s
